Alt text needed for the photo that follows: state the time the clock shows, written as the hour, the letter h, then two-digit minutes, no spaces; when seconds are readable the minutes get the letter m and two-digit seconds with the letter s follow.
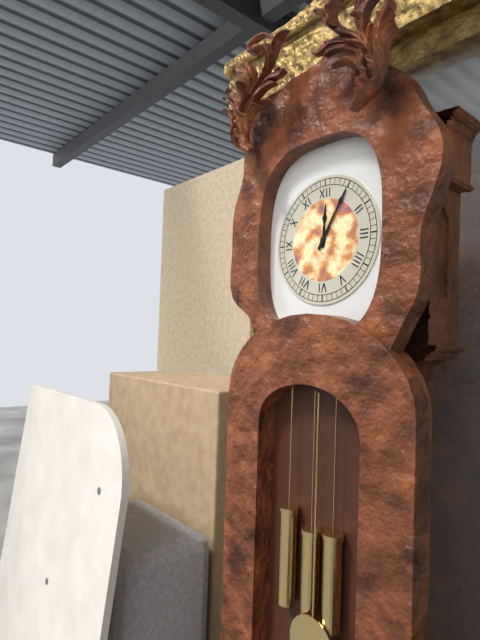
12h05
